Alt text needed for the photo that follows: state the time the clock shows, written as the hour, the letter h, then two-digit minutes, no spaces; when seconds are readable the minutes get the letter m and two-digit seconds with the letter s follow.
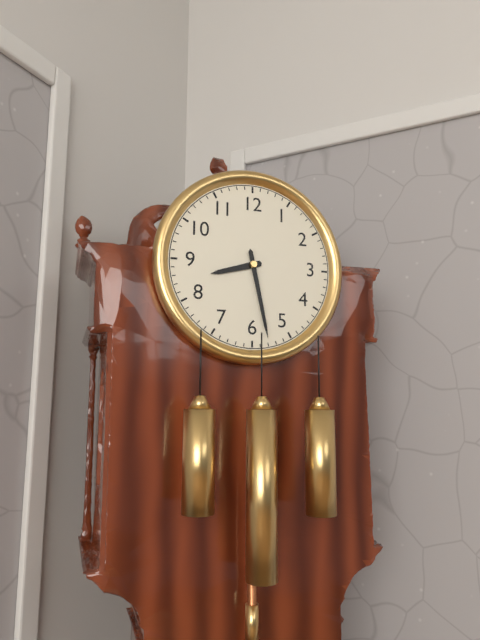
8h28
